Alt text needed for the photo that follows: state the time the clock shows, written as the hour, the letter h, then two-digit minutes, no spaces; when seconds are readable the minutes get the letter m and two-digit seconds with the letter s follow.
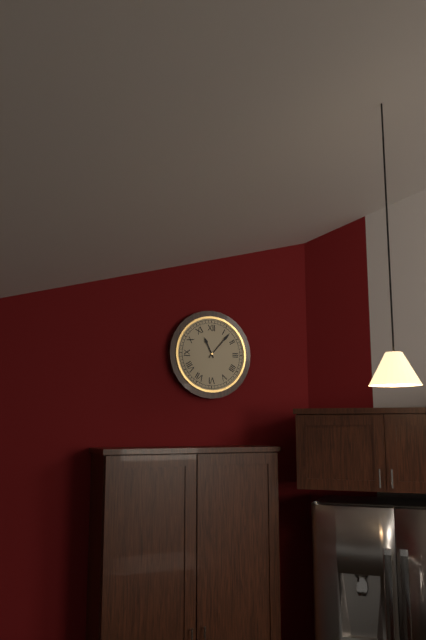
11h07
